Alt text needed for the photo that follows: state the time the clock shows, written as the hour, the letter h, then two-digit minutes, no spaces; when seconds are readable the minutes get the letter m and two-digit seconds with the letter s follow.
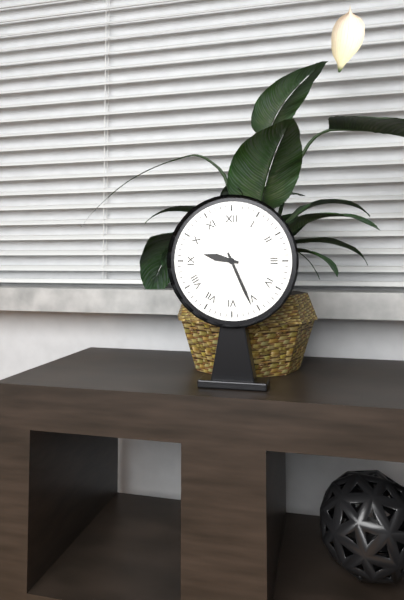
9h26
